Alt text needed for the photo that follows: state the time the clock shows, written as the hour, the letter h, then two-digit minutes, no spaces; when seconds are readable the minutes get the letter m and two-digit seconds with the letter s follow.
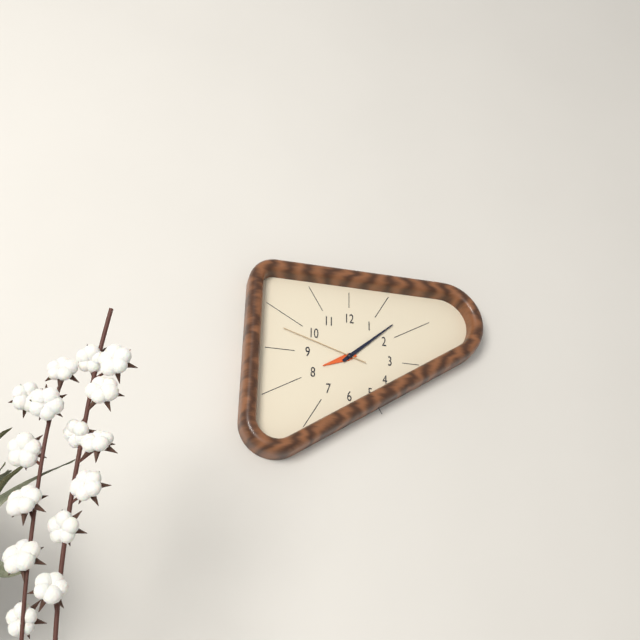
8h08m48s
